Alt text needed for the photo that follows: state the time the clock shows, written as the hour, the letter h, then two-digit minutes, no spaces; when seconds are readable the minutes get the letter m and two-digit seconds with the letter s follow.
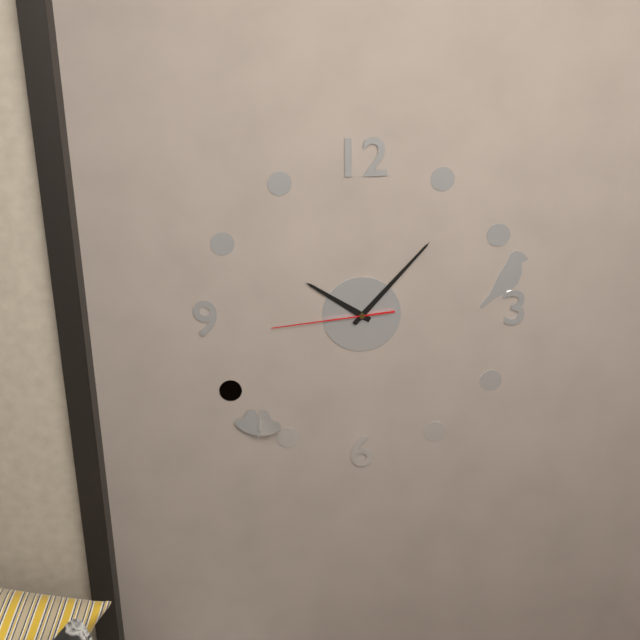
10h07m44s
